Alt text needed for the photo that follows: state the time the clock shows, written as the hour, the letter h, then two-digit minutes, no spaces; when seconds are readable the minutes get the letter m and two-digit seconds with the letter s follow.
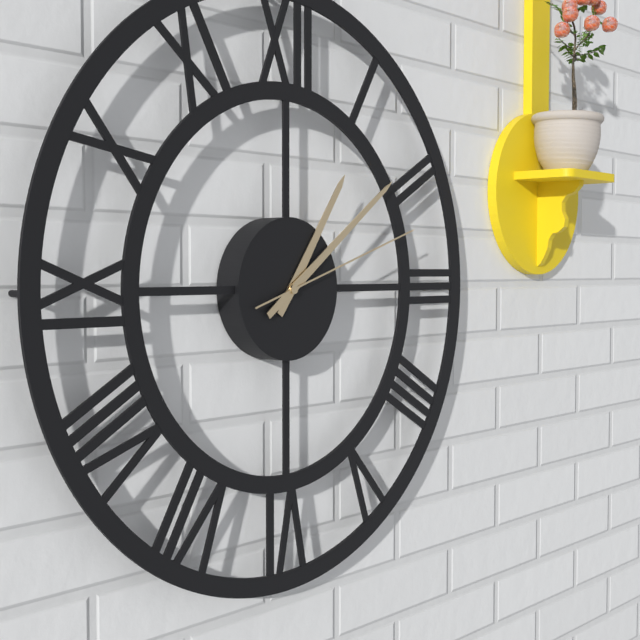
1h09m12s
